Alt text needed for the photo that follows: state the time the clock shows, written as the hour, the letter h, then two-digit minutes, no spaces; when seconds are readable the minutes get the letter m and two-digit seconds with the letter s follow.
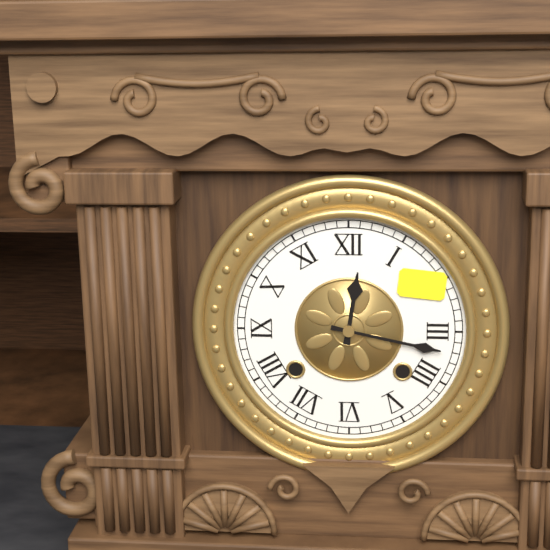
12h17
